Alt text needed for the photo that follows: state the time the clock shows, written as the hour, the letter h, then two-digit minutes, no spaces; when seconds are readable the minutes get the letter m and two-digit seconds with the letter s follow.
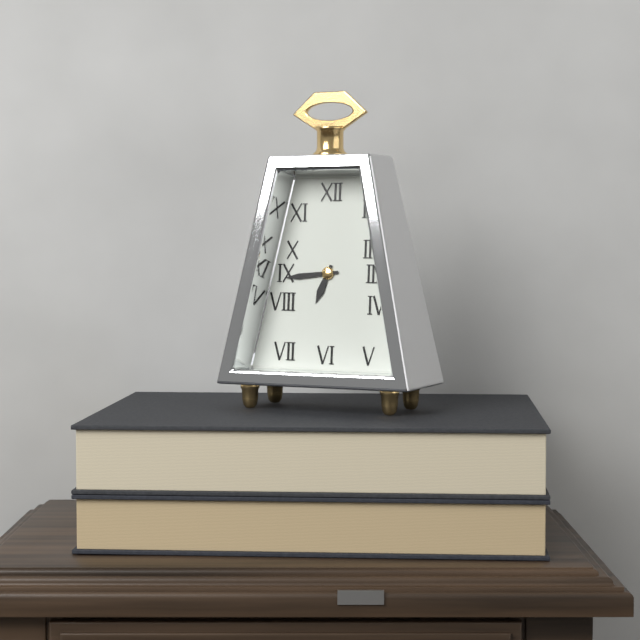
6h44
